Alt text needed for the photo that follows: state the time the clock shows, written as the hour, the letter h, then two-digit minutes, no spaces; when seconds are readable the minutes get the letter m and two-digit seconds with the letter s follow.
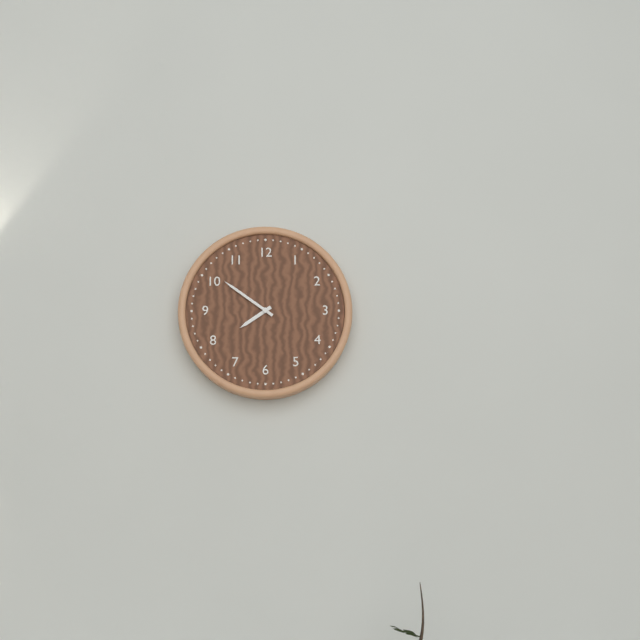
7h51
